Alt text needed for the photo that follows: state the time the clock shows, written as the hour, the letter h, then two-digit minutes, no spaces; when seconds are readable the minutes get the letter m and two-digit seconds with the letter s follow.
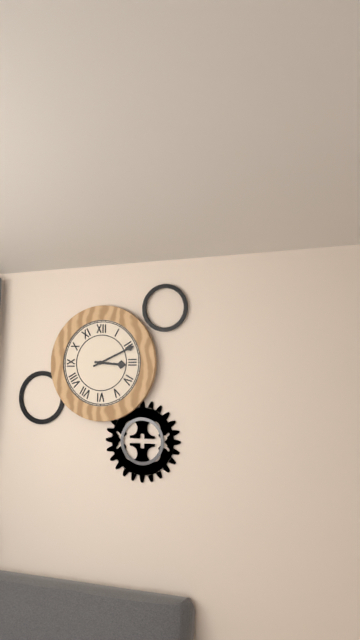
3h11
